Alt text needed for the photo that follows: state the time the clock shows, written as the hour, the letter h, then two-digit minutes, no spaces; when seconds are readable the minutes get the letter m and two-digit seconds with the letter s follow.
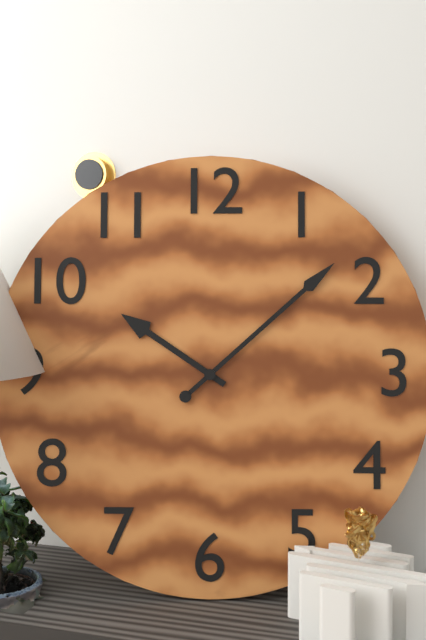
10h08
